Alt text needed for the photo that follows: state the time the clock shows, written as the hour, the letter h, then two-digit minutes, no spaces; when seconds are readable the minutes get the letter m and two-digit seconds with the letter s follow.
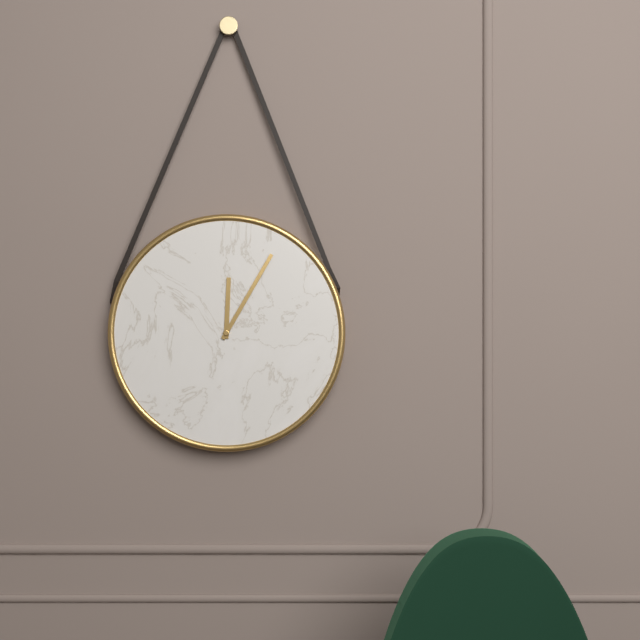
12h05
